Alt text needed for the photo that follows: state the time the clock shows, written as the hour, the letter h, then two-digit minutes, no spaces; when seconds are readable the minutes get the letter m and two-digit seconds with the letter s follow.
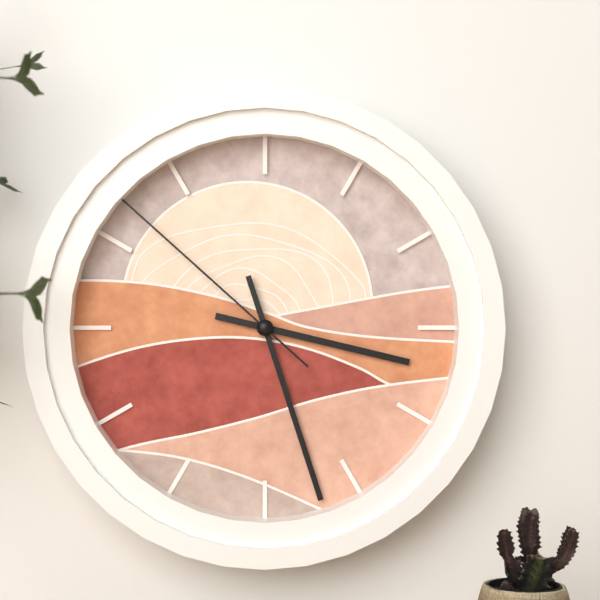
3h27m52s
